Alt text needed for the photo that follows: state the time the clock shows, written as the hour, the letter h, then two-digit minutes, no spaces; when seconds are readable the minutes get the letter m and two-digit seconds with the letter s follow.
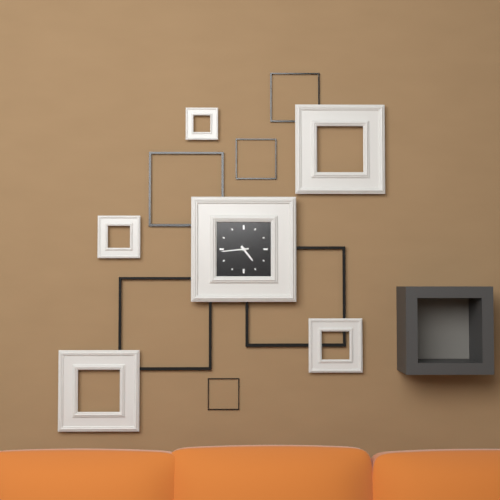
4h44
